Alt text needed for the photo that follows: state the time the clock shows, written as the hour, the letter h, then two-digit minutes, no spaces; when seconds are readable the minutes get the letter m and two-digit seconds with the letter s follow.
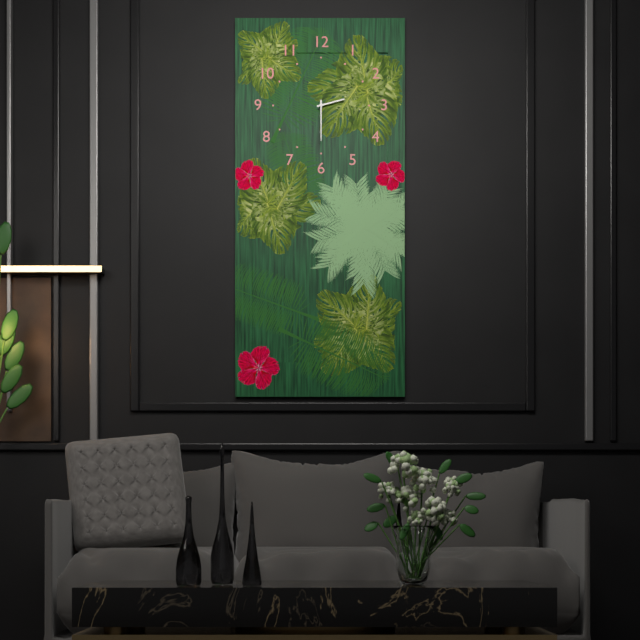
2h30
